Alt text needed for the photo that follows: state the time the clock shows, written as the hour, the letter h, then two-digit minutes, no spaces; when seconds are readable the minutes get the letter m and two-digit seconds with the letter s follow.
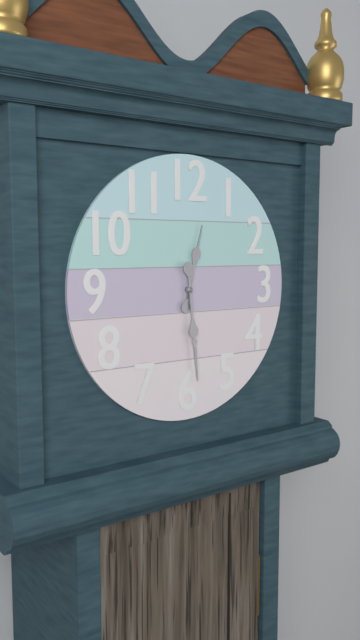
12h29
